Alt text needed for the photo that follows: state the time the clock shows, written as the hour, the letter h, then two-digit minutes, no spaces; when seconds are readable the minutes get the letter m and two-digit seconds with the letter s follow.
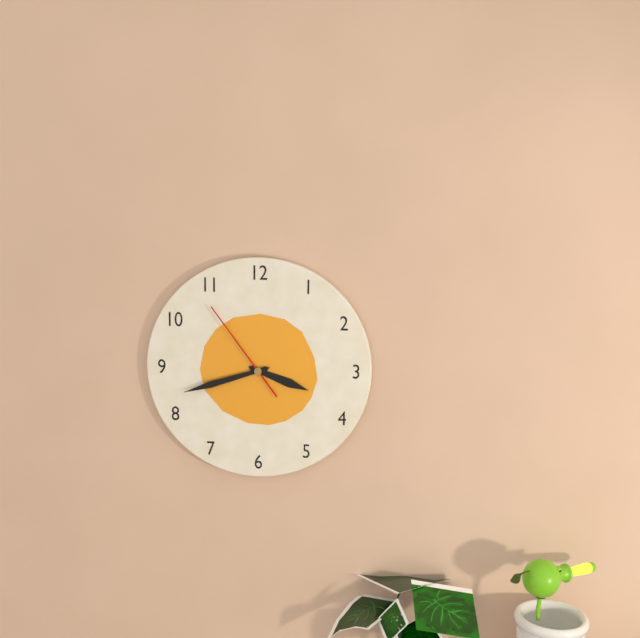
3h42m54s
